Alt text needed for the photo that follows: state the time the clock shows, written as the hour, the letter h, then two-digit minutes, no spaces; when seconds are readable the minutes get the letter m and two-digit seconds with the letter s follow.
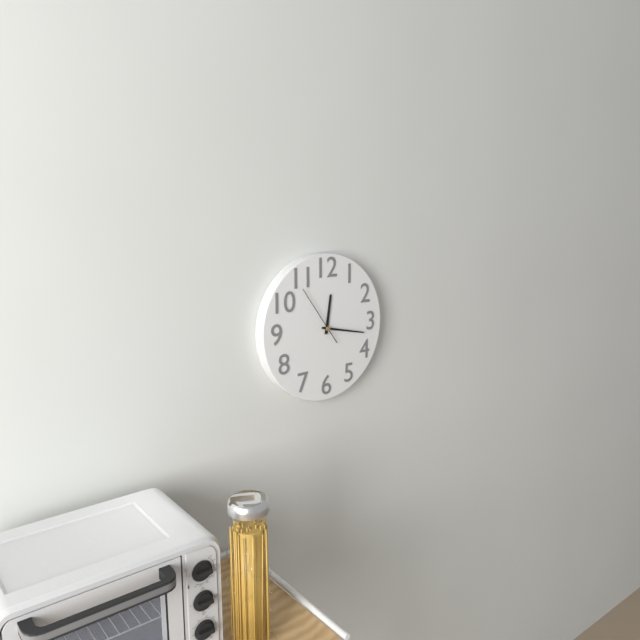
12h17m54s
